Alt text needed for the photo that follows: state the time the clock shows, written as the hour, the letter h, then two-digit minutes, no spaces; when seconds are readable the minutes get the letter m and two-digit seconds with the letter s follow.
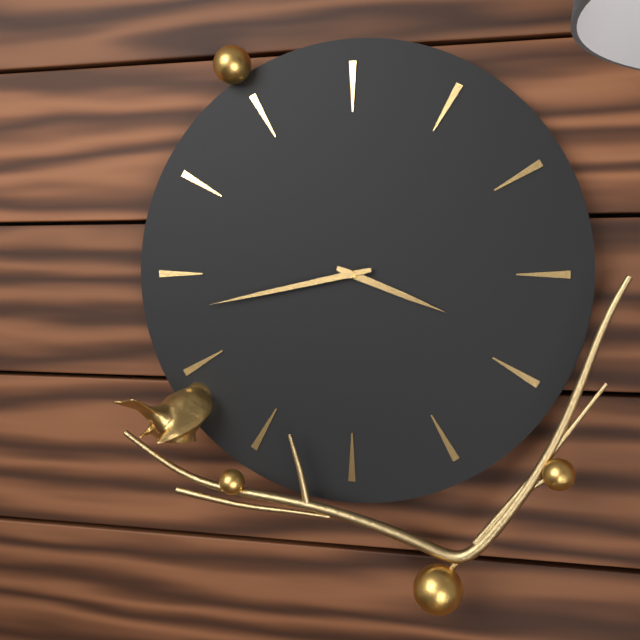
3h43
